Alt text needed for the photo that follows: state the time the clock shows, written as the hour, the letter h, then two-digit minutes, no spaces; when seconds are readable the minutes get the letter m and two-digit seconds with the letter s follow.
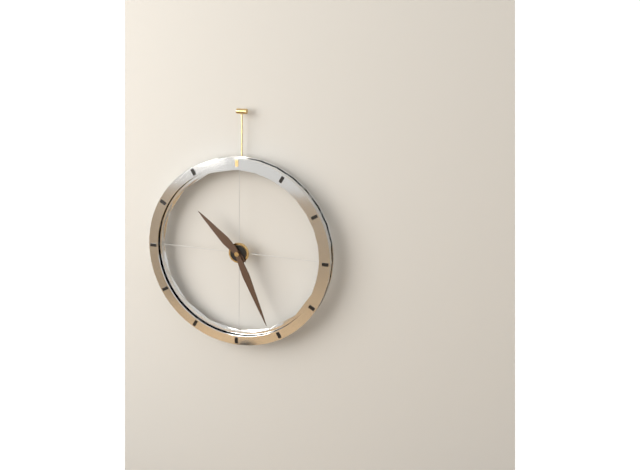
10h26
